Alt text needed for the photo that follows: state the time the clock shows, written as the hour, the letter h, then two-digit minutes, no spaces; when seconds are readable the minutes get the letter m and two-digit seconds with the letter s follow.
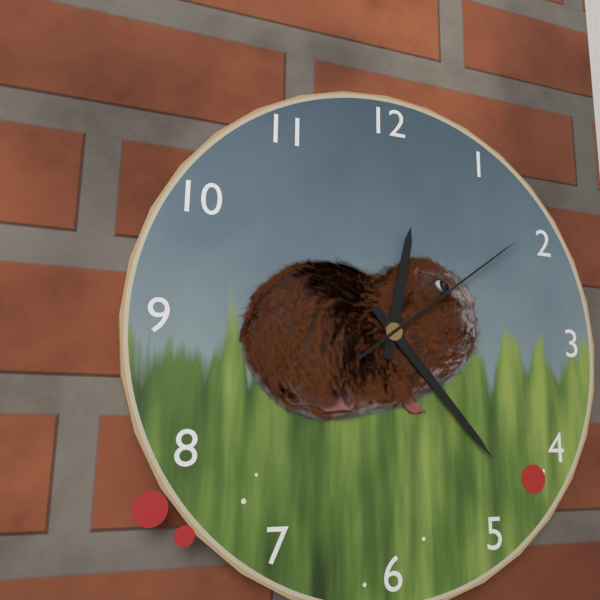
12h23m09s
